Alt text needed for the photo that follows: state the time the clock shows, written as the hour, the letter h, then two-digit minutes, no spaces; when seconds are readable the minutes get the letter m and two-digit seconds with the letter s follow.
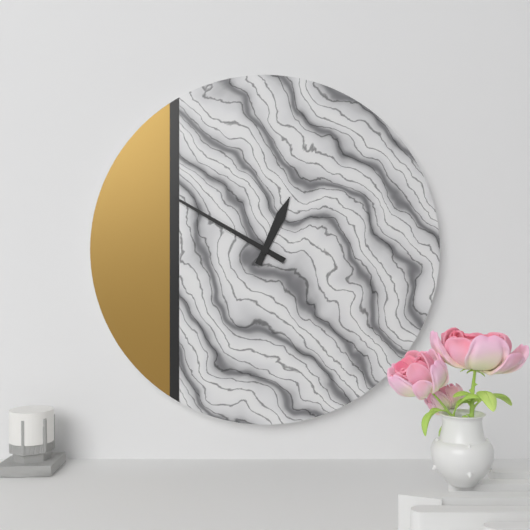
12h50
